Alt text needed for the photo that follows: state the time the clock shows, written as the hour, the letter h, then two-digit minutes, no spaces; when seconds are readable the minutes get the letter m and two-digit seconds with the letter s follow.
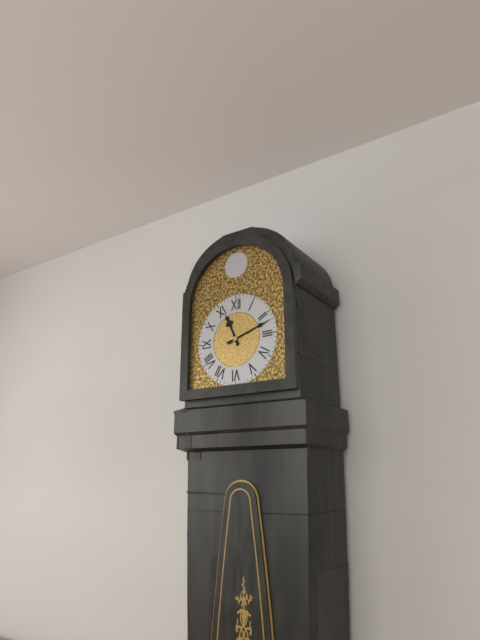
11h12
